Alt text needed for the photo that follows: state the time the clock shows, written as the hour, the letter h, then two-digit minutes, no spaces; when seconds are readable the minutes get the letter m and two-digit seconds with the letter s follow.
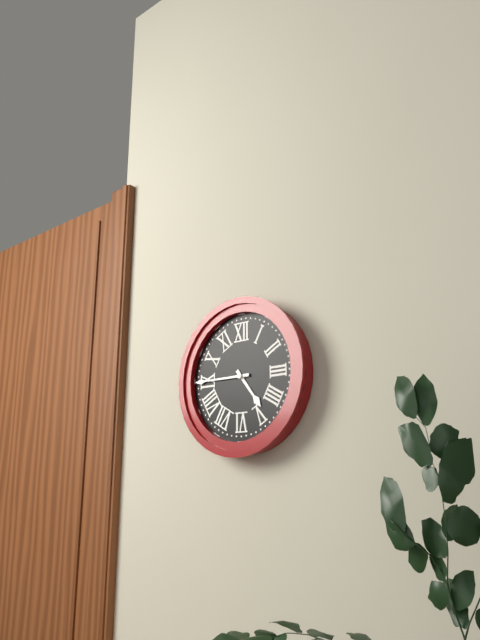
4h45
